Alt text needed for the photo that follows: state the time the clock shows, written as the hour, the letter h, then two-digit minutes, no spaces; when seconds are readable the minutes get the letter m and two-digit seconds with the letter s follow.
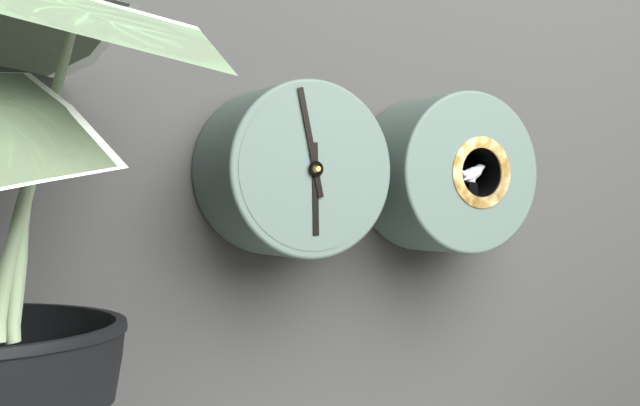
5h58
